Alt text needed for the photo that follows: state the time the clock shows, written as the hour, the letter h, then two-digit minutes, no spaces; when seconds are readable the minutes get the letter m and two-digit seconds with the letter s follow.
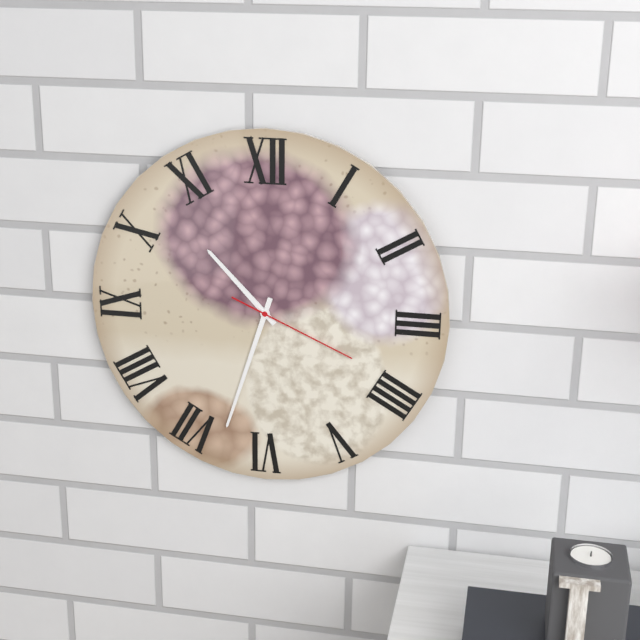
10h33m19s
